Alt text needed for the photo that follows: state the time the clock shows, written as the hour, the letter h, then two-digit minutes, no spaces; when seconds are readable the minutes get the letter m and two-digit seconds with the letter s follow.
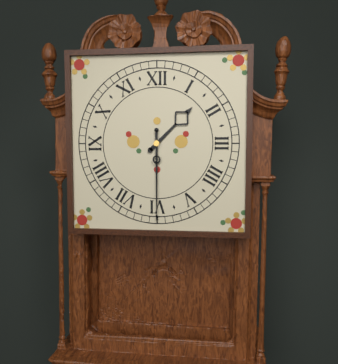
1h30
